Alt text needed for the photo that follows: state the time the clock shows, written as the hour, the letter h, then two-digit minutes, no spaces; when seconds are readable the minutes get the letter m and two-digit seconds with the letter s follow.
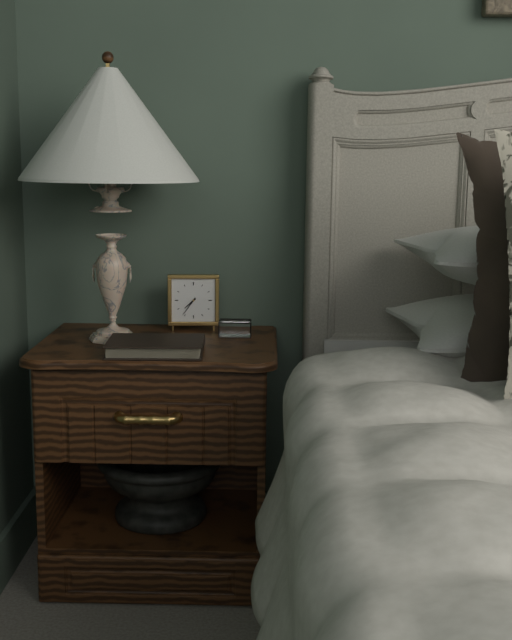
7h36
